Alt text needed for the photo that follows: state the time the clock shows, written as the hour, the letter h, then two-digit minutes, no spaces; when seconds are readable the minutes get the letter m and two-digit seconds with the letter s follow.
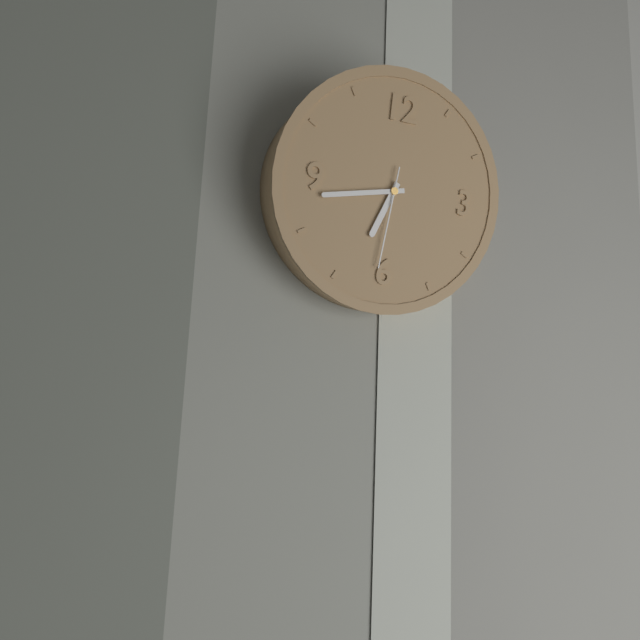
6h43m31s
